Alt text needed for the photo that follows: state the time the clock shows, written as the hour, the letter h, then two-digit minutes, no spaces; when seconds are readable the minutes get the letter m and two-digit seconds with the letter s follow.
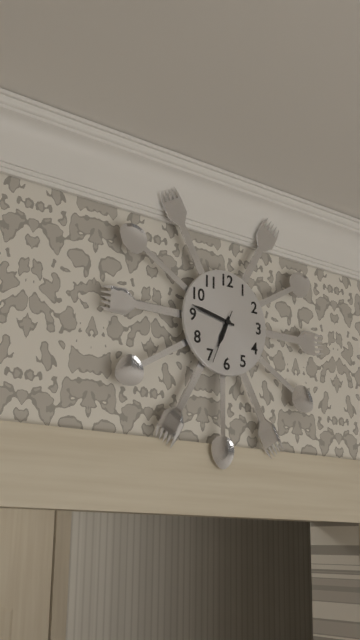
6h47m34s
